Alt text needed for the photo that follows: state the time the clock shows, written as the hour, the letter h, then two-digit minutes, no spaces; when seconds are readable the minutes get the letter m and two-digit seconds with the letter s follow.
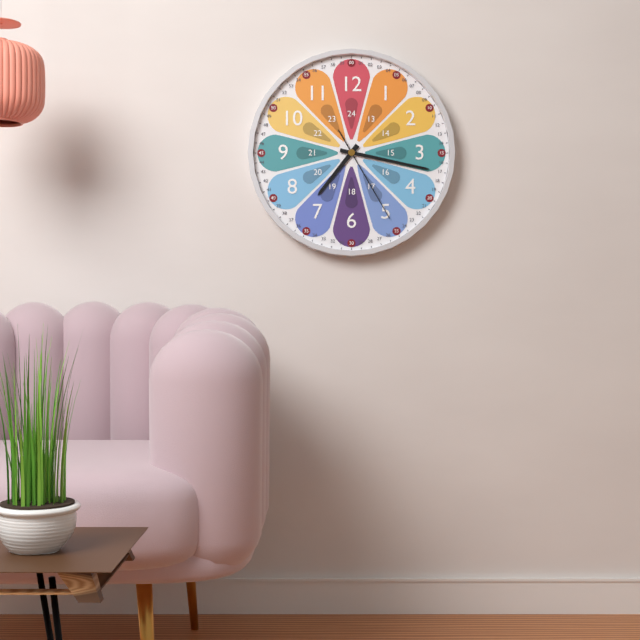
7h17m25s
